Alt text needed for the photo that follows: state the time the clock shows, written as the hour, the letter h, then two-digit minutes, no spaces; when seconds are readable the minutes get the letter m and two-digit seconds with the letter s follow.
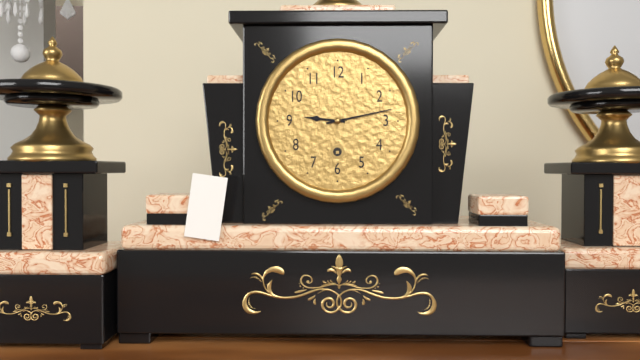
9h13
